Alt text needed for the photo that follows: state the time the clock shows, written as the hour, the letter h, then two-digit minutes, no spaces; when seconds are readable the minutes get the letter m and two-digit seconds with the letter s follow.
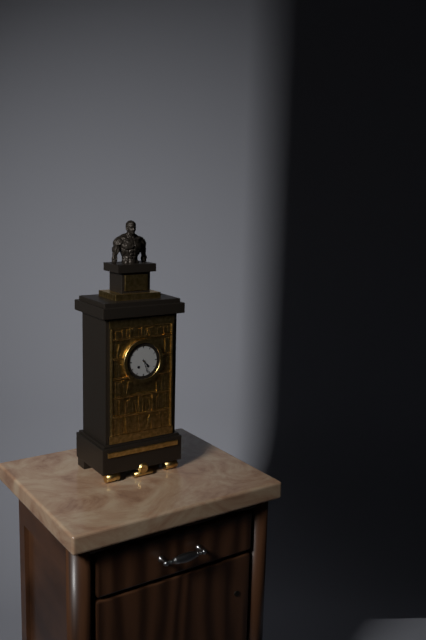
4h27
